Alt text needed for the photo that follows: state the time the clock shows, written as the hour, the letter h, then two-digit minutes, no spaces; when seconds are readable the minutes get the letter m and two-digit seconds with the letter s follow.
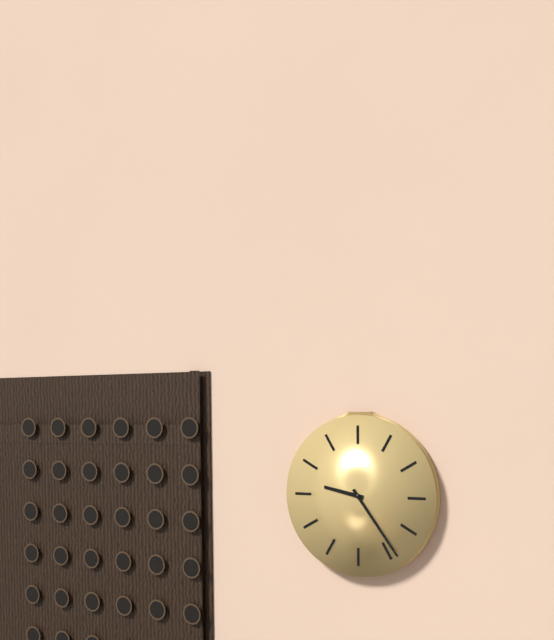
9h24
